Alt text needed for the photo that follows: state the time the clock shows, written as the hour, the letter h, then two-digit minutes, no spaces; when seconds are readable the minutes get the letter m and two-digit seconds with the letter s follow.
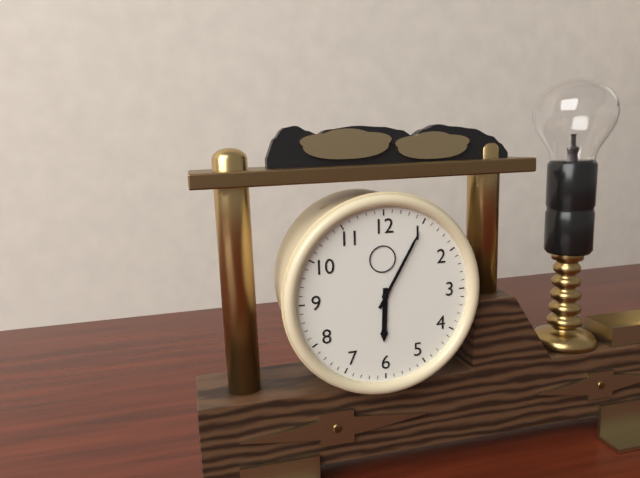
6h05
